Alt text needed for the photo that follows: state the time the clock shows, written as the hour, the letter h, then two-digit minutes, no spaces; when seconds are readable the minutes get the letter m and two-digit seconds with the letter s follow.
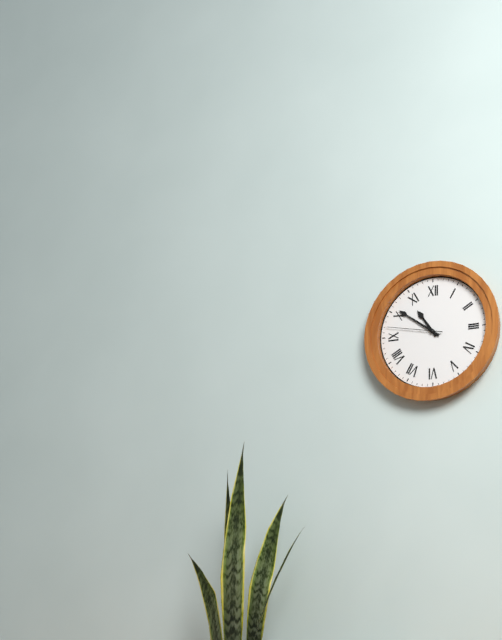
10h51m47s
